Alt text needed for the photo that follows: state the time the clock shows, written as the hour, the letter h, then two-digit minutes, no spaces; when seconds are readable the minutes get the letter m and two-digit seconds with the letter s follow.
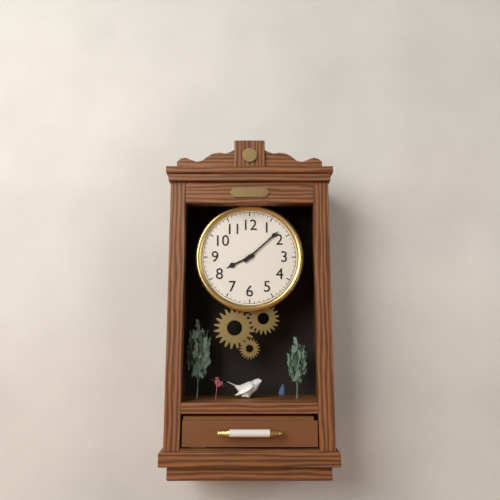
8h08
